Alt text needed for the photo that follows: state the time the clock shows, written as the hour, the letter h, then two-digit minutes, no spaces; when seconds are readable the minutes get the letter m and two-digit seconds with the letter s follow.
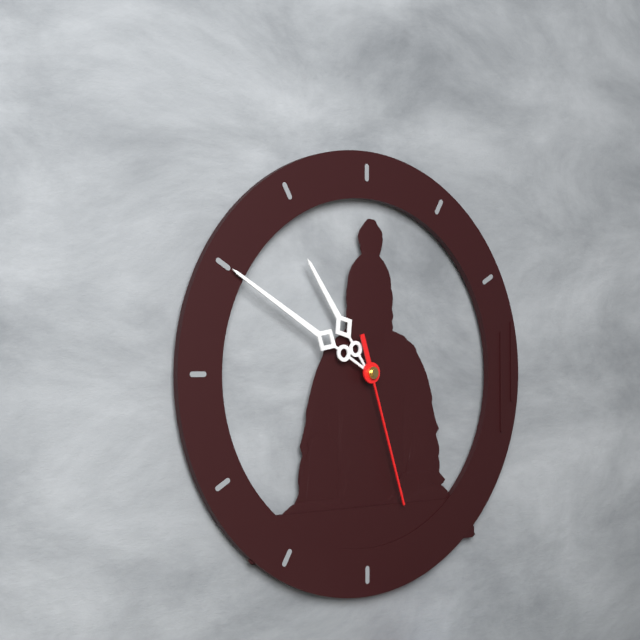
10h50m27s
